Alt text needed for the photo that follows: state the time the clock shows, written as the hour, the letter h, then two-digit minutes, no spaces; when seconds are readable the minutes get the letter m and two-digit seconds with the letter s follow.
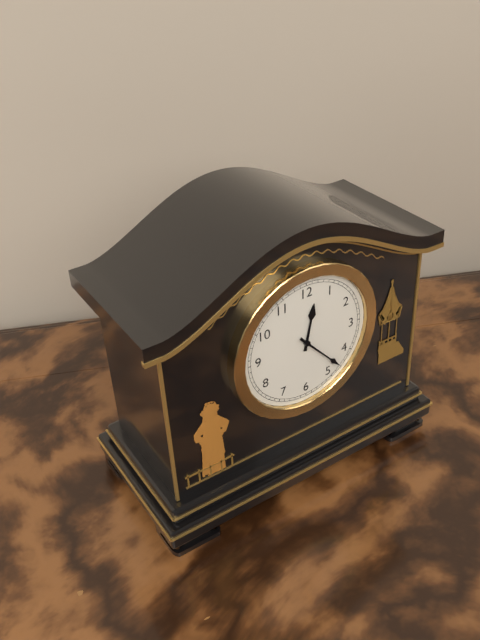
12h23
